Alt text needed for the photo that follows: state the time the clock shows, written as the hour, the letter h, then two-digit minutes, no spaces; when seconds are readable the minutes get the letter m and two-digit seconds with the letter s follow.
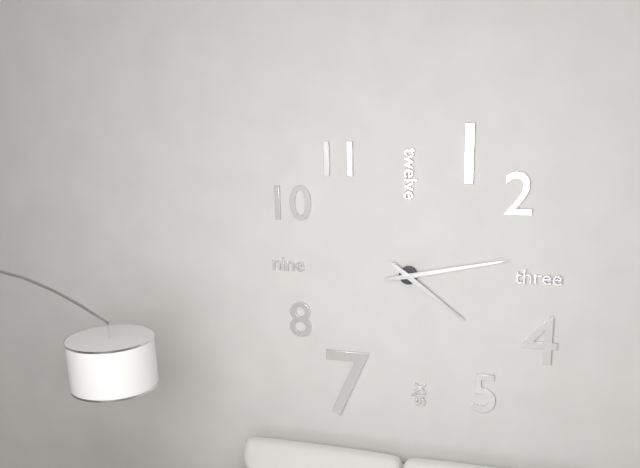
4h13
